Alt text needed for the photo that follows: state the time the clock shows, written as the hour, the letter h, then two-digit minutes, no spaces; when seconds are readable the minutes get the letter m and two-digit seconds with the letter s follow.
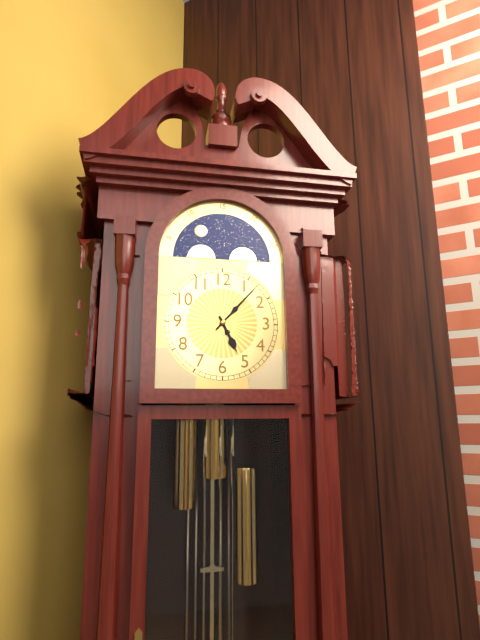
5h07
